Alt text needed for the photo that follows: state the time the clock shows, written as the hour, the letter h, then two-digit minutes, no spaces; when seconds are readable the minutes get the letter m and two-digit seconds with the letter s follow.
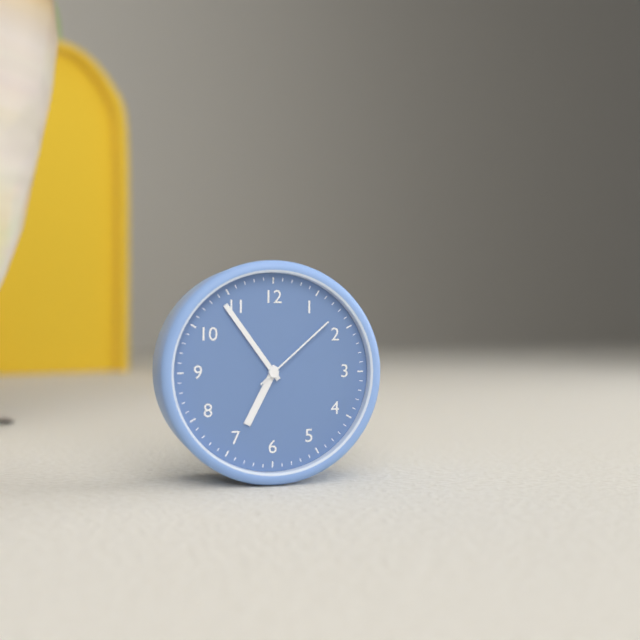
6h54m08s
